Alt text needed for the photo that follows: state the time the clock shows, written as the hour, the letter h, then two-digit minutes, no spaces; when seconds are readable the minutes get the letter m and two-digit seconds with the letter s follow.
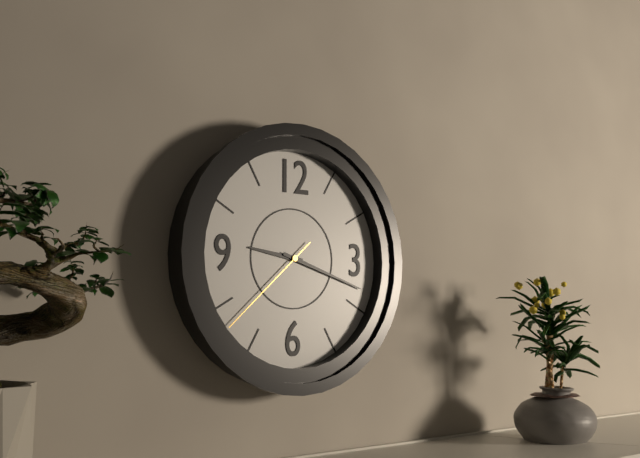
9h18m38s
